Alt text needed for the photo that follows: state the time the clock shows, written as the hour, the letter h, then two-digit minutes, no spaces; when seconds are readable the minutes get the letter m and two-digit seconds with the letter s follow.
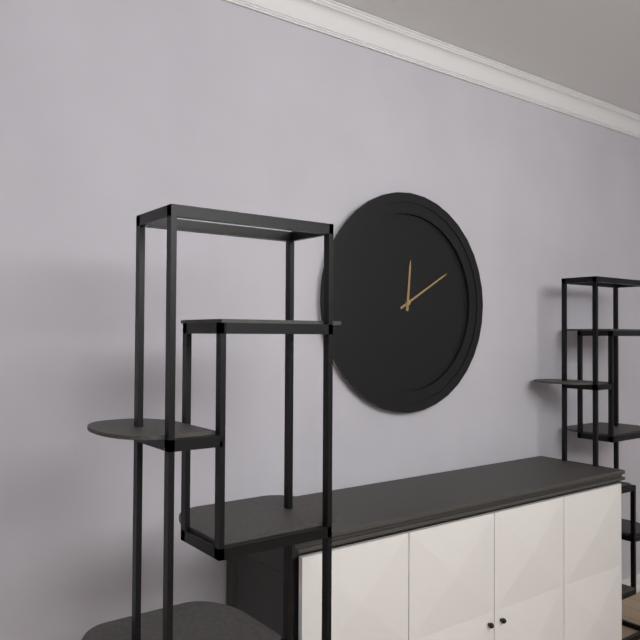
12h10
